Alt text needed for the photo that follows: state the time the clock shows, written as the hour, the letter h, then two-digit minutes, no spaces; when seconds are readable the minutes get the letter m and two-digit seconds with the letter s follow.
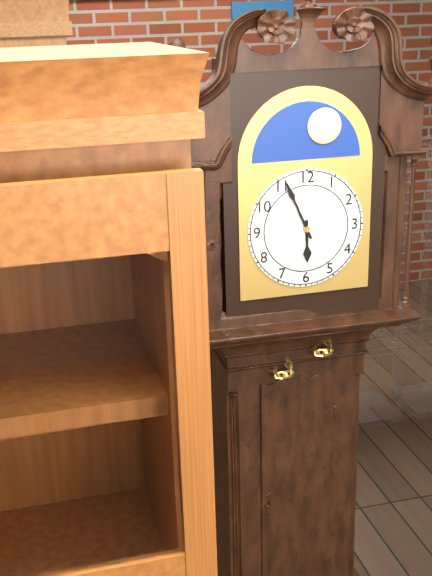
5h56
